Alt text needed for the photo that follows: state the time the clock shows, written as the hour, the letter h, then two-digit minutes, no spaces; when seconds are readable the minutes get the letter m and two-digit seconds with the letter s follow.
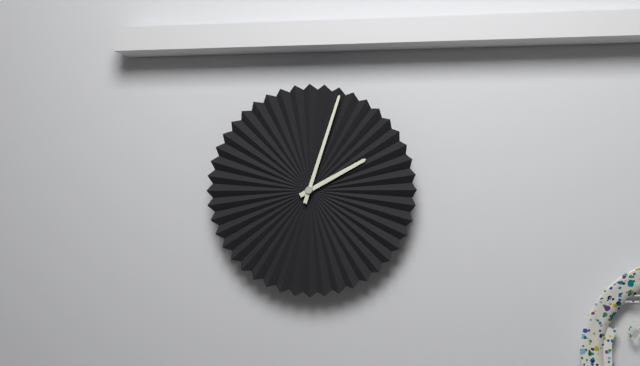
2h03
